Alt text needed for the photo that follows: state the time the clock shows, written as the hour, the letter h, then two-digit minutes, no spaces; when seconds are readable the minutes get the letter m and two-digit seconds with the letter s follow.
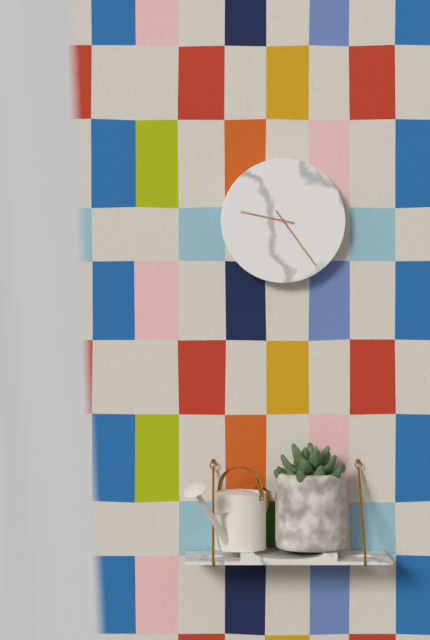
9h24
